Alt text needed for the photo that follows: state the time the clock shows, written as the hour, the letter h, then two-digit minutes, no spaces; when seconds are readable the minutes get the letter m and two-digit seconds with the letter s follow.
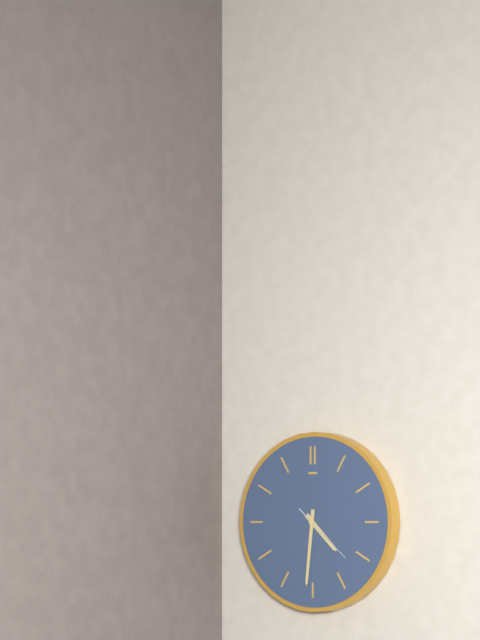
4h31m22s
